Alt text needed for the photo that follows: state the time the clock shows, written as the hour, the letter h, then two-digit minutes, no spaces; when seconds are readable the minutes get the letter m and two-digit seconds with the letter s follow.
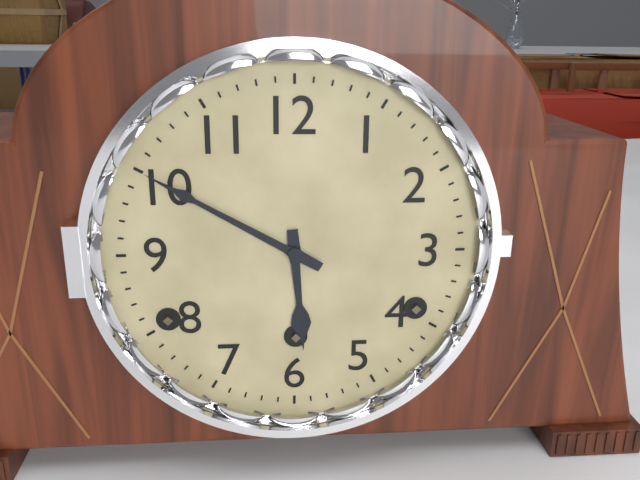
5h50
